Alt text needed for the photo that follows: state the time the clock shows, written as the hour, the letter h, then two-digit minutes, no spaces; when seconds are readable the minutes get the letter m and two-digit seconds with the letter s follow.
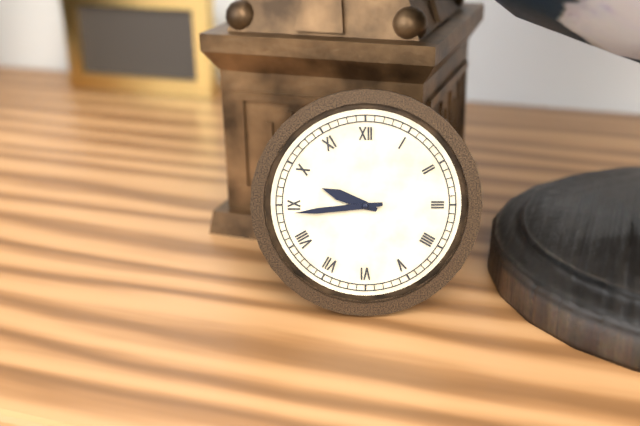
9h44
